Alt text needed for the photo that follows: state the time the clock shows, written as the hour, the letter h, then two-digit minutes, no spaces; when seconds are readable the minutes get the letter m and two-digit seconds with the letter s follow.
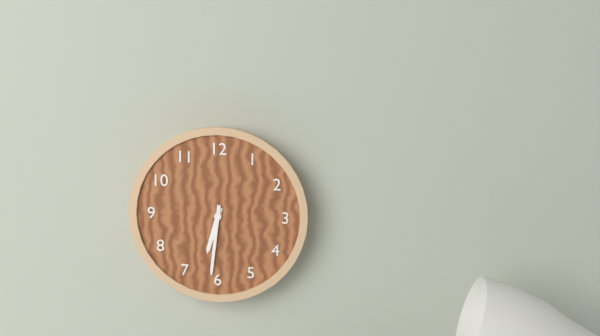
6h31
